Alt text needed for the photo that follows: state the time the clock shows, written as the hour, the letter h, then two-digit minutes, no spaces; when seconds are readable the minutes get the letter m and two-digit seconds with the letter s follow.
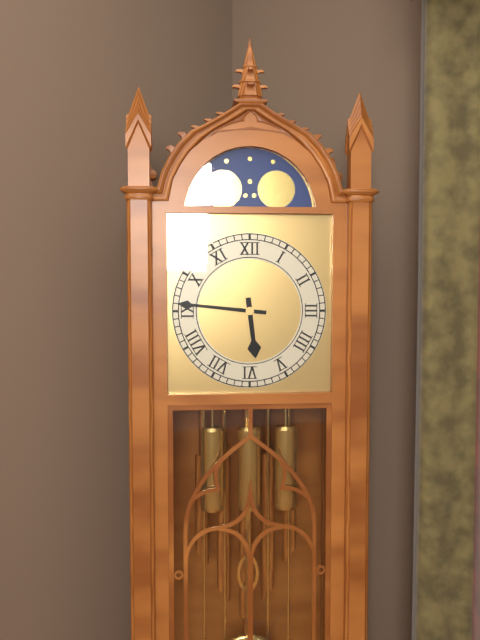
5h46
